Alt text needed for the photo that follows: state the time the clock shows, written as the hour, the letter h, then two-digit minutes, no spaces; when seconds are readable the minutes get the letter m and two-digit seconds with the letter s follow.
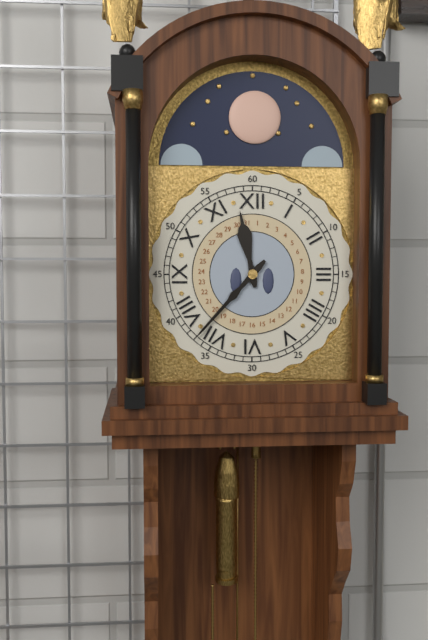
11h37
